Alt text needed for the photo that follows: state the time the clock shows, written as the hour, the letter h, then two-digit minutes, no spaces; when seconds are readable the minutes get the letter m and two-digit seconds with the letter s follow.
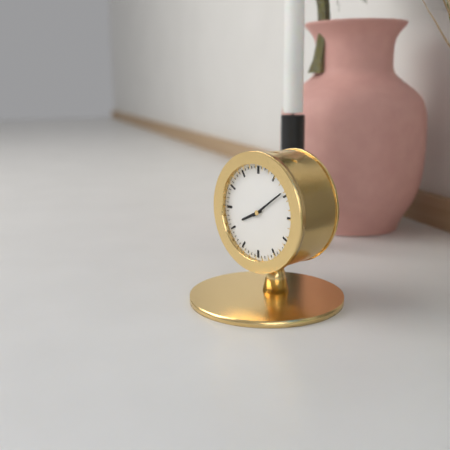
8h09
